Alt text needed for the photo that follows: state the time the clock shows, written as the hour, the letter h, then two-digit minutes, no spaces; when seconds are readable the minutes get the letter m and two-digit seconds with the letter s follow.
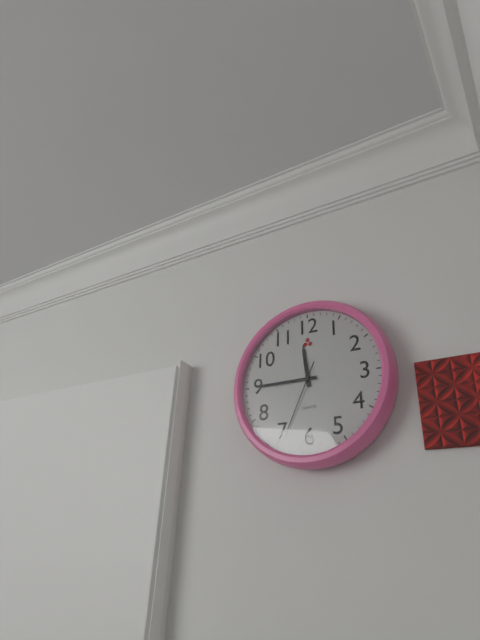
11h45m34s
